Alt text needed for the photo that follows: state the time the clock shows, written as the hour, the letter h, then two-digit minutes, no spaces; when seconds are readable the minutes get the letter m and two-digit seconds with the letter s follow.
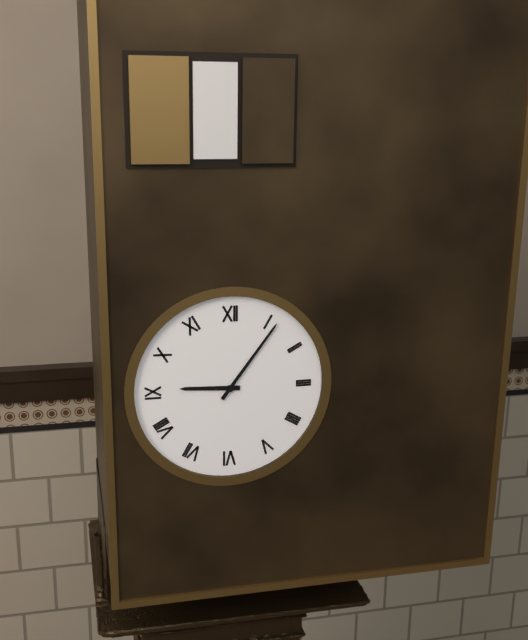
9h06
